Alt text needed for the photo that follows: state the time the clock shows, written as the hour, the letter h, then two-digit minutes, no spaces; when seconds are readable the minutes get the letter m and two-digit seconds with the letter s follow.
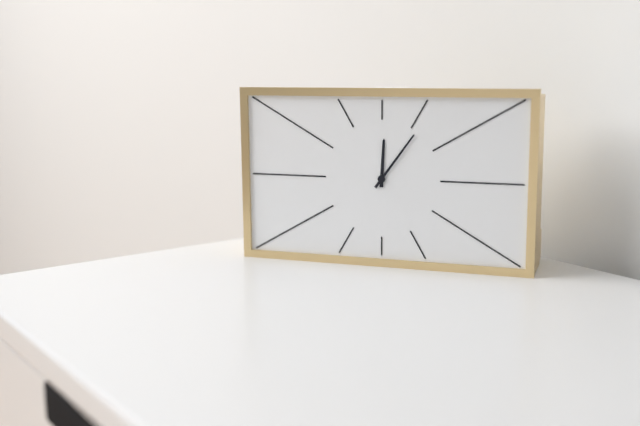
12h06
